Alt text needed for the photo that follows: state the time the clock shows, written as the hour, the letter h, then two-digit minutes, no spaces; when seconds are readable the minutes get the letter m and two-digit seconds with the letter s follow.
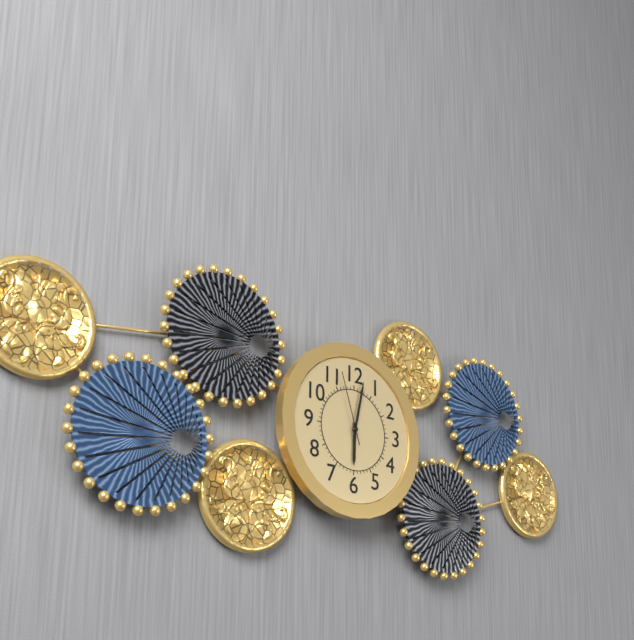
6h02m57s
